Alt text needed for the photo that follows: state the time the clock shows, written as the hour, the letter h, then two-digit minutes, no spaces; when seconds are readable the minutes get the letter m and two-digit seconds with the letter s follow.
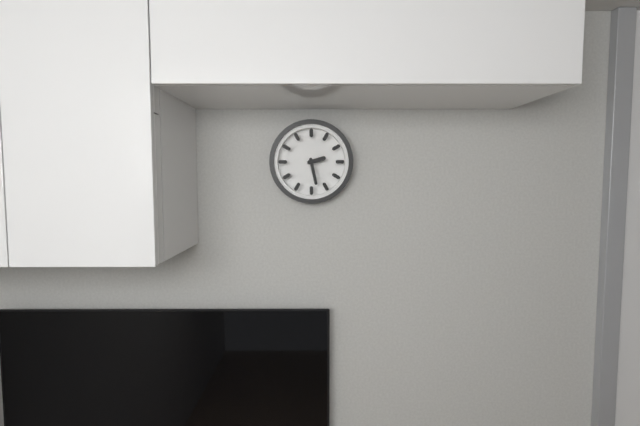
2h28
